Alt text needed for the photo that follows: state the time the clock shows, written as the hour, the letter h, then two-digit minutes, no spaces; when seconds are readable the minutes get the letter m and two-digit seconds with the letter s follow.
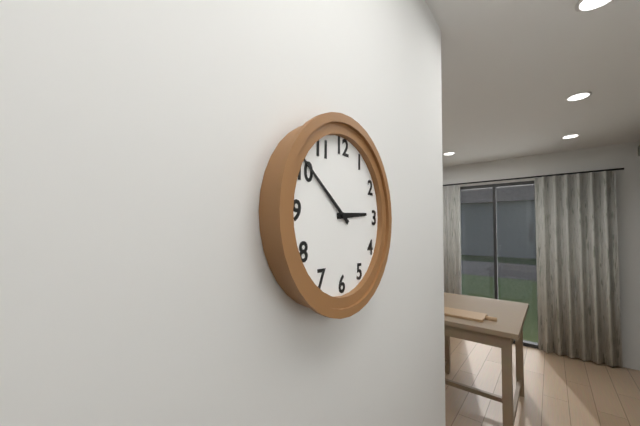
2h51
